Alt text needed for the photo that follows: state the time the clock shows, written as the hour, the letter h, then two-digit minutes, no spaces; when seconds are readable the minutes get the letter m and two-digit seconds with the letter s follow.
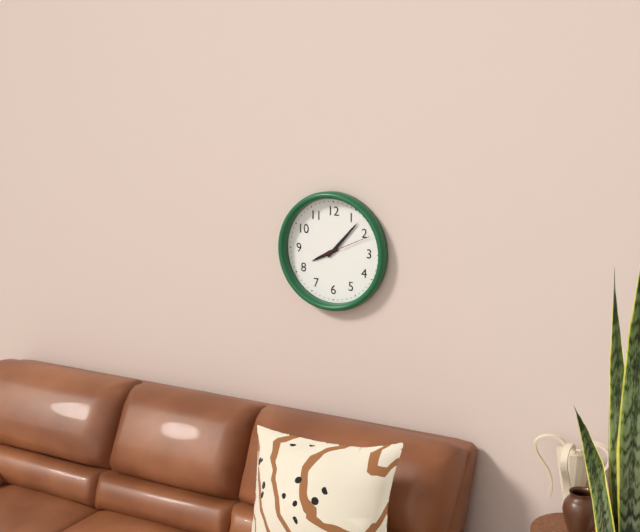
8h07
